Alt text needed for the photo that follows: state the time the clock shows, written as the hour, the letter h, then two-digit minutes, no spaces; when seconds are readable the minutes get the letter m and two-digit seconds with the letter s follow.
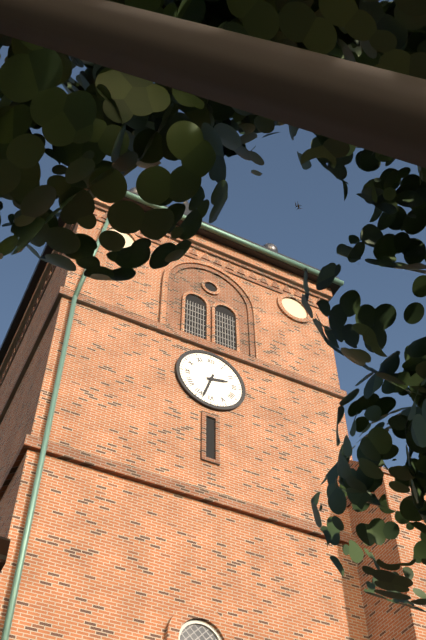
2h33
